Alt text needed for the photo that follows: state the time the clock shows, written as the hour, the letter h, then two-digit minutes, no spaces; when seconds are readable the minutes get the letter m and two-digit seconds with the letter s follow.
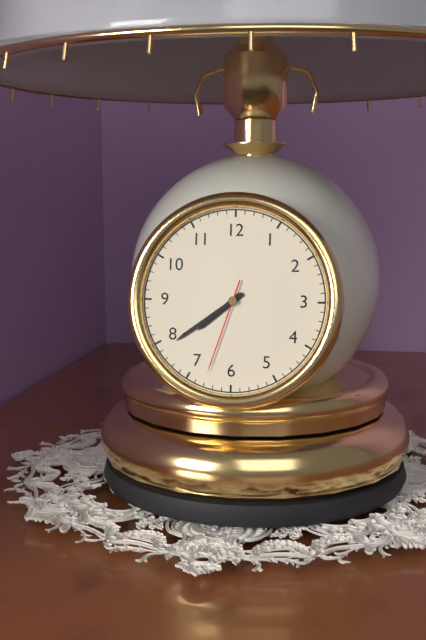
7h39m33s
